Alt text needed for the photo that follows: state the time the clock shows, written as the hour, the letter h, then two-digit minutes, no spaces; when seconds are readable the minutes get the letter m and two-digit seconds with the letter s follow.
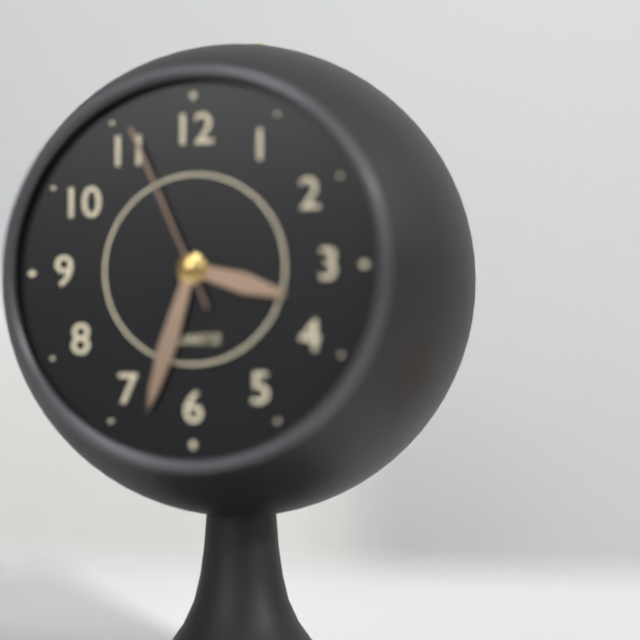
3h33m56s
